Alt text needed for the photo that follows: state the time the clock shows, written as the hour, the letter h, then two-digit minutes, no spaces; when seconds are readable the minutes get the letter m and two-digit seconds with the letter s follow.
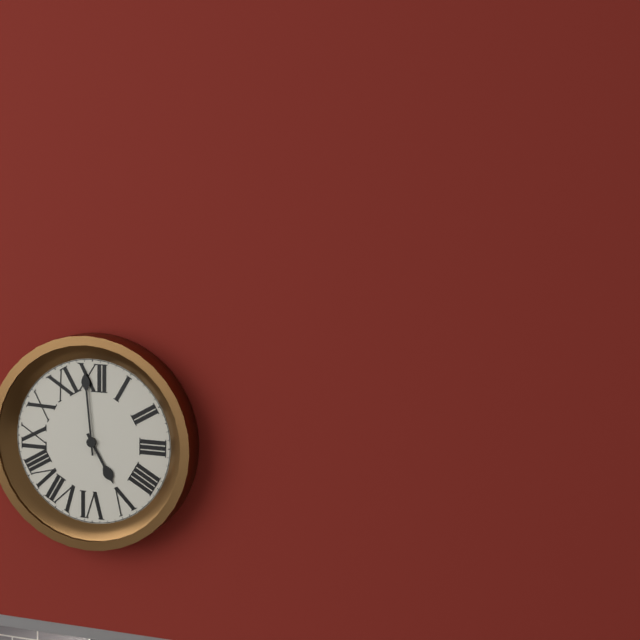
4h59
